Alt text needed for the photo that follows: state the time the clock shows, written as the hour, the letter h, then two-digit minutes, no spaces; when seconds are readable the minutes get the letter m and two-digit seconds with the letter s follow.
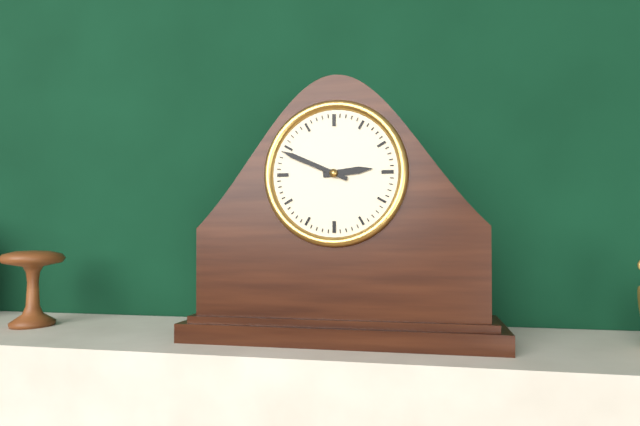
2h49
